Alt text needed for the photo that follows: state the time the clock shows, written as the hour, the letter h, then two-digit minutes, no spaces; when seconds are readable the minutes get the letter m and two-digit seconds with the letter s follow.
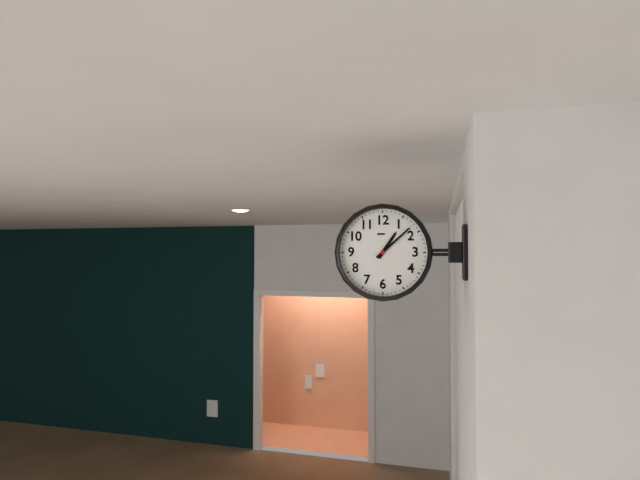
1h08
